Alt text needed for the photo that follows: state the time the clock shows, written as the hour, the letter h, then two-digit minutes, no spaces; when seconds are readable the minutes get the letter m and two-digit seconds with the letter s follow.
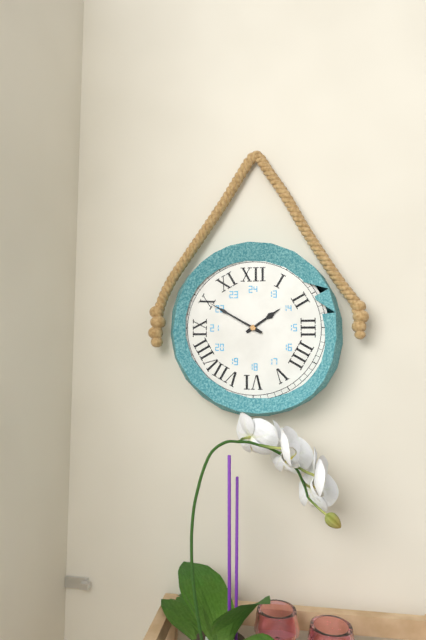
1h50
